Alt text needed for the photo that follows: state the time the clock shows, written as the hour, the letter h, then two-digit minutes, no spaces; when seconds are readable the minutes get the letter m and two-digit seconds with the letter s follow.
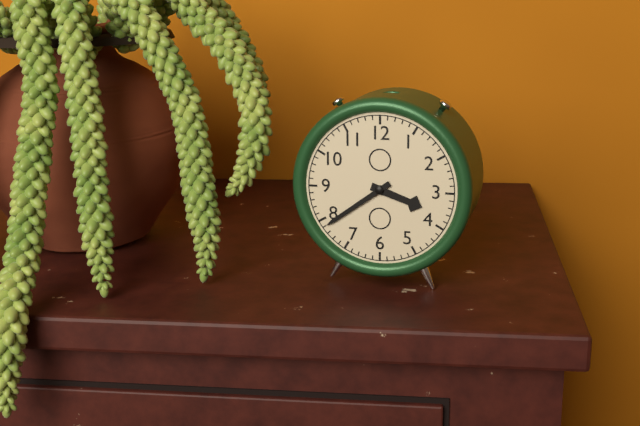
3h39
